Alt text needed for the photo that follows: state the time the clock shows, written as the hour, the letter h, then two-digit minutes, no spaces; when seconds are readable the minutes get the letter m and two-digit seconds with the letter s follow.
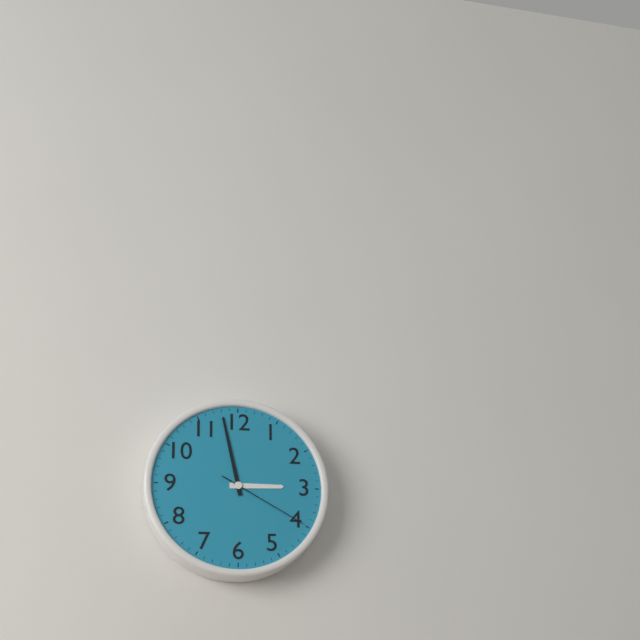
2h58m20s
